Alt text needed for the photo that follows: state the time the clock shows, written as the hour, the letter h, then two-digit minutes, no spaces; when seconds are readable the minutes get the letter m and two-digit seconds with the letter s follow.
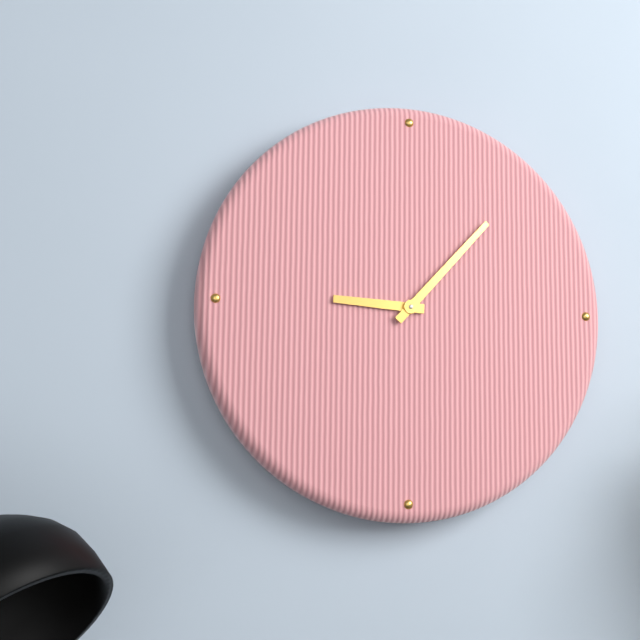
9h07
